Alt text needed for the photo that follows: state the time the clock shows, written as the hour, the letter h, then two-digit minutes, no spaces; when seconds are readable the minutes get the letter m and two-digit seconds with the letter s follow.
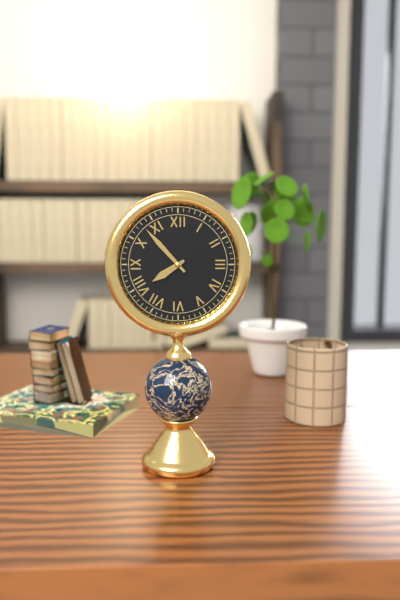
7h53
